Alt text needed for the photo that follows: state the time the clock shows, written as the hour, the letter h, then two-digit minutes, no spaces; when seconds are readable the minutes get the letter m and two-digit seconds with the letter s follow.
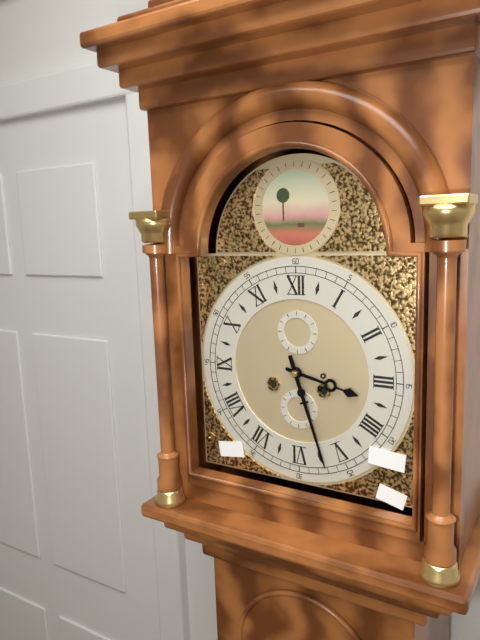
3h27
